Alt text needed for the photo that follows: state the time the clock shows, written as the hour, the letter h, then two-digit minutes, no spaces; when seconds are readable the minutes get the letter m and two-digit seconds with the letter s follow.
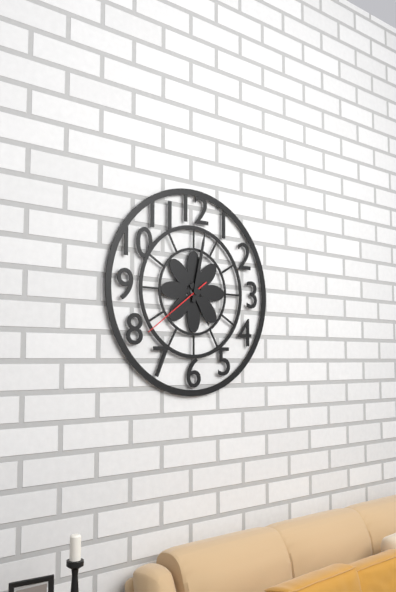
5h02m39s
